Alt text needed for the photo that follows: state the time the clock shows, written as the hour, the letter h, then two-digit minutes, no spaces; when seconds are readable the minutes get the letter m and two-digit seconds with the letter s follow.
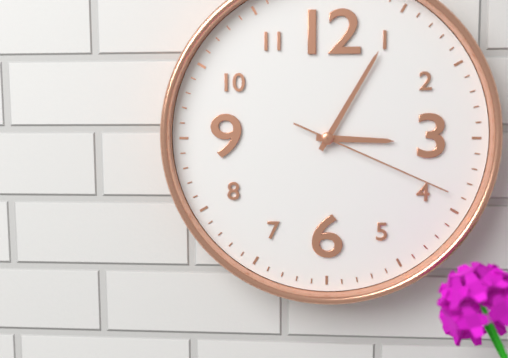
3h05m19s
